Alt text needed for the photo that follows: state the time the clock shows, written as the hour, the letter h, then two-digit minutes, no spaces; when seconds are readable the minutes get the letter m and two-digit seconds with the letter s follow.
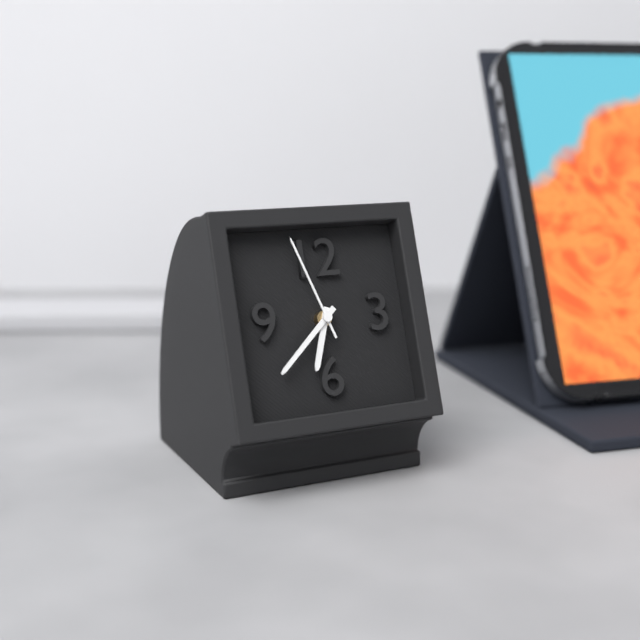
6h38m57s
